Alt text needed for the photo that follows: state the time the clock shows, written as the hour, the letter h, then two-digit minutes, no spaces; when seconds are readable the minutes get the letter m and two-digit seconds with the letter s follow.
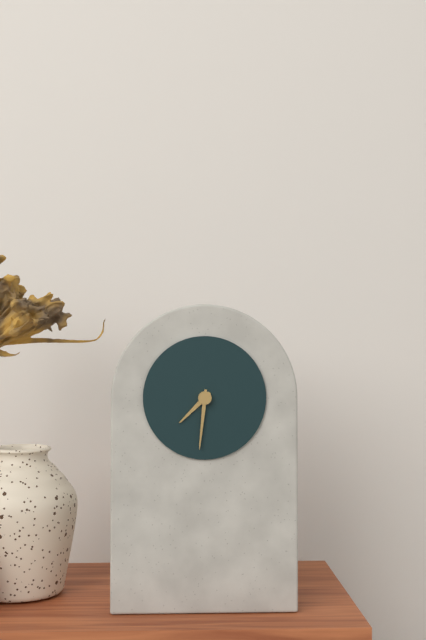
7h31
